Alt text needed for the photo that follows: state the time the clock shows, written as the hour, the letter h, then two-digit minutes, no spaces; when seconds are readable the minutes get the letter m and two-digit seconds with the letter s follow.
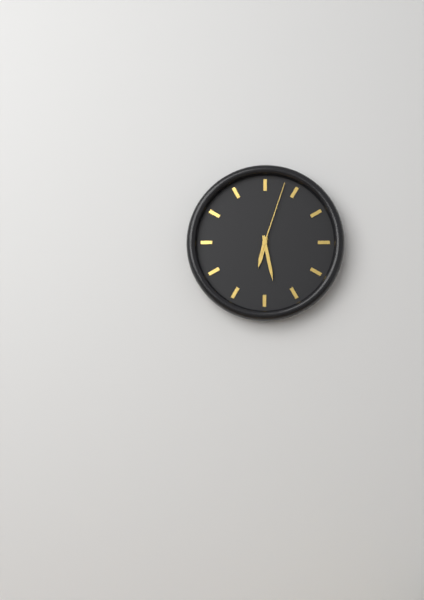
6h28m03s
